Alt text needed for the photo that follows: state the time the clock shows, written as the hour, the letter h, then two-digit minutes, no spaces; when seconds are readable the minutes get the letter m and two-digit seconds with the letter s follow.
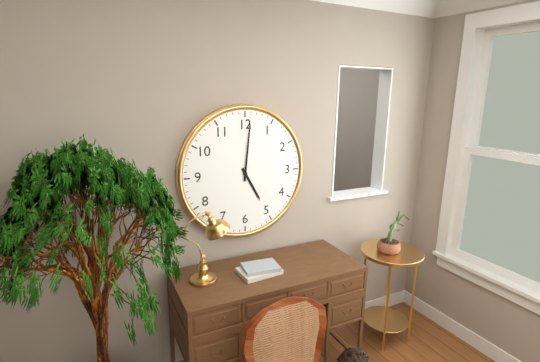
5h01
